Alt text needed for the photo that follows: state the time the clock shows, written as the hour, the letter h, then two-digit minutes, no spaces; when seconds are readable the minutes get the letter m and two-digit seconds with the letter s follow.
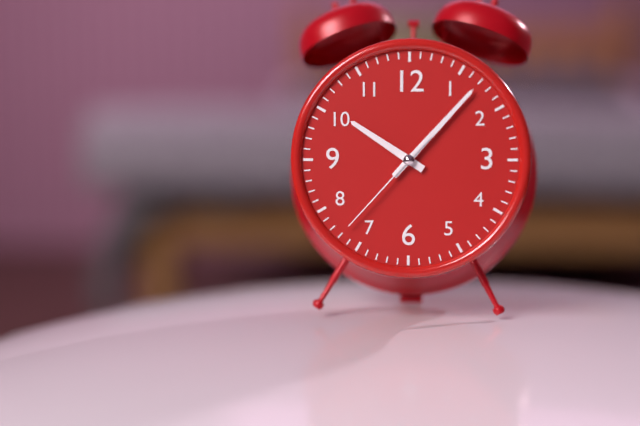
10h07m37s
